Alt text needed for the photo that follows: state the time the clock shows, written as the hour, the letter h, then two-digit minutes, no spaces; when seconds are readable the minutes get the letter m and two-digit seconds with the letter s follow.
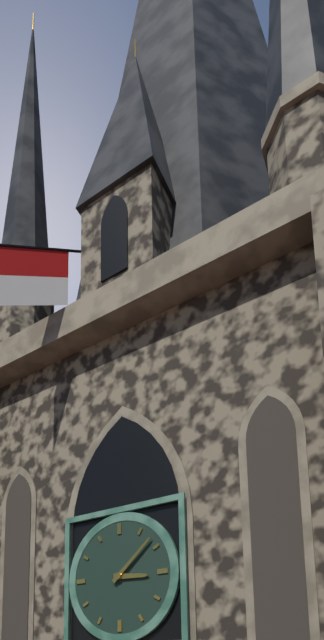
3h08
